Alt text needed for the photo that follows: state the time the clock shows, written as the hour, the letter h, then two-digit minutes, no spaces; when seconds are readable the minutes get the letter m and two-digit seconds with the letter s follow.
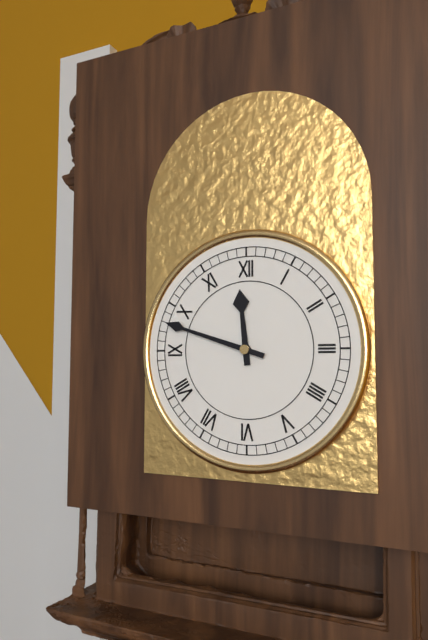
11h48
